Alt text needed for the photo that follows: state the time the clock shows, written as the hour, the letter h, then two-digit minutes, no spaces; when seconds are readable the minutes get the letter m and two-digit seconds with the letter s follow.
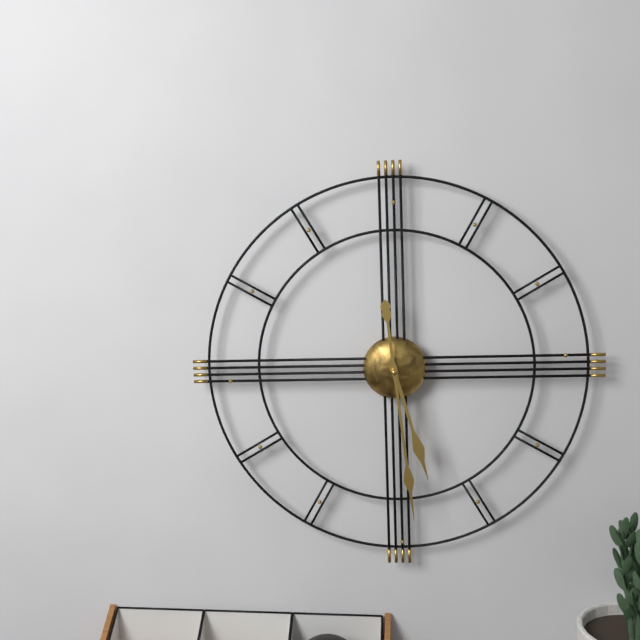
5h29
